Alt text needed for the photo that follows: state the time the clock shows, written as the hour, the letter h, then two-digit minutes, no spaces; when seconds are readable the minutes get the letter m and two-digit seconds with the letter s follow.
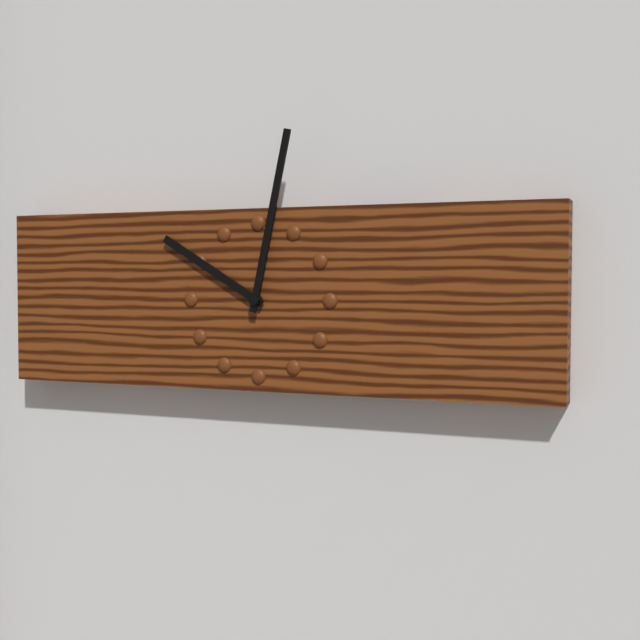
10h02
